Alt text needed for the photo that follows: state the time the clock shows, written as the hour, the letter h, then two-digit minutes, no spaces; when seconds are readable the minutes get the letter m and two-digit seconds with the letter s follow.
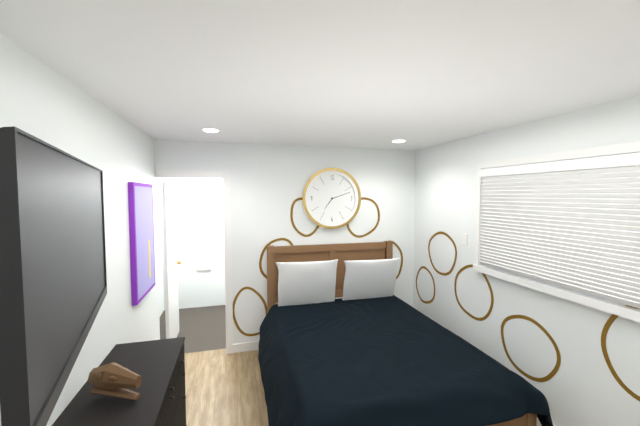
7h12
